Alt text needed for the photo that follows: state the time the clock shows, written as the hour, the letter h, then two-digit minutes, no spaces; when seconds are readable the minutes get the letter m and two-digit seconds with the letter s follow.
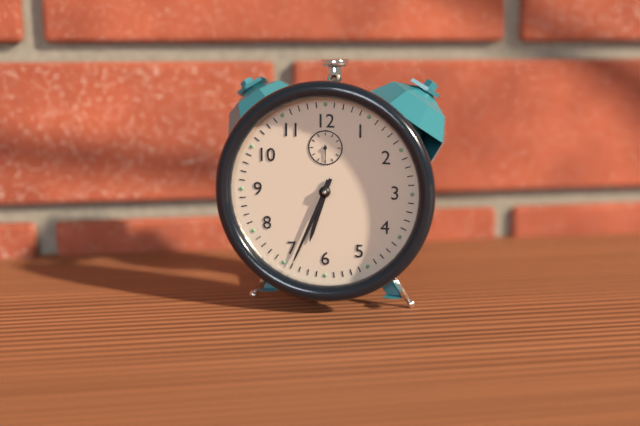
6h34
